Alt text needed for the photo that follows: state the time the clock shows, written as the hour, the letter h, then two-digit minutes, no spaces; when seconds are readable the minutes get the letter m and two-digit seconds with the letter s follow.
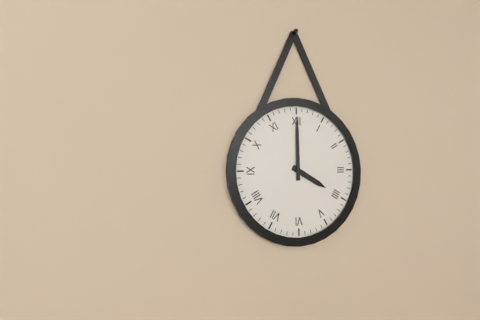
4h00
